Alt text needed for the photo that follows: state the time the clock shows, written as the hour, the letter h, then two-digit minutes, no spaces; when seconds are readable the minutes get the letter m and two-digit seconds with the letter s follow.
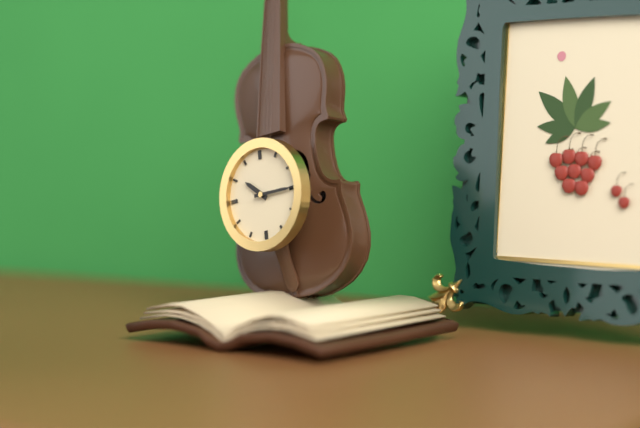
10h15
